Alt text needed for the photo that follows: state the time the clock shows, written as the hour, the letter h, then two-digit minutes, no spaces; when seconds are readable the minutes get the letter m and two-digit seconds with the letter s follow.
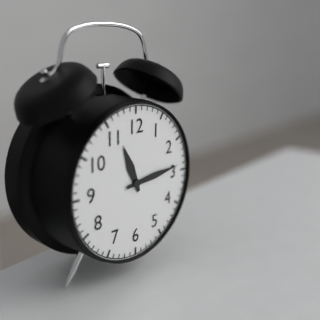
11h14
